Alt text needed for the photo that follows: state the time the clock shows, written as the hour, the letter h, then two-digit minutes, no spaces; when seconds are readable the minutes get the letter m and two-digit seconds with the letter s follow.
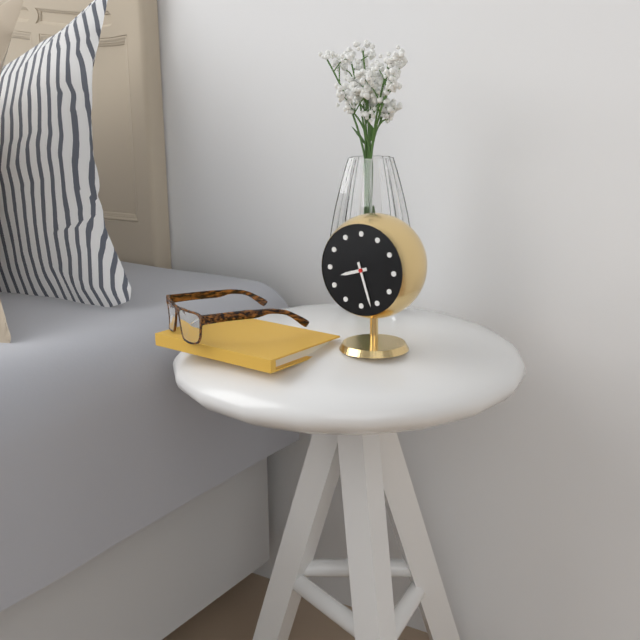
8h27
